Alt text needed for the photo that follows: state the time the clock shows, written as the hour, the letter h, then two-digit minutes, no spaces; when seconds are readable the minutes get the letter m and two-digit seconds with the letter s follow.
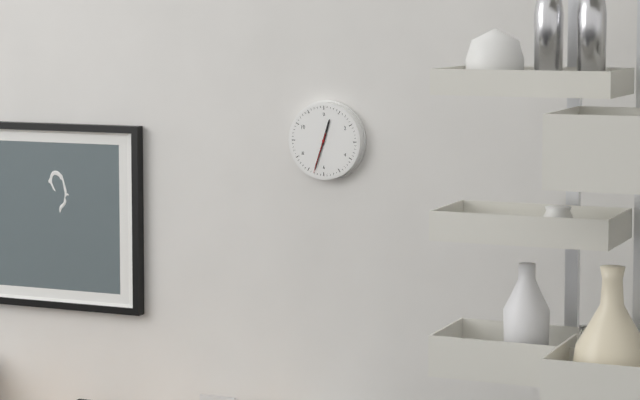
12h33
